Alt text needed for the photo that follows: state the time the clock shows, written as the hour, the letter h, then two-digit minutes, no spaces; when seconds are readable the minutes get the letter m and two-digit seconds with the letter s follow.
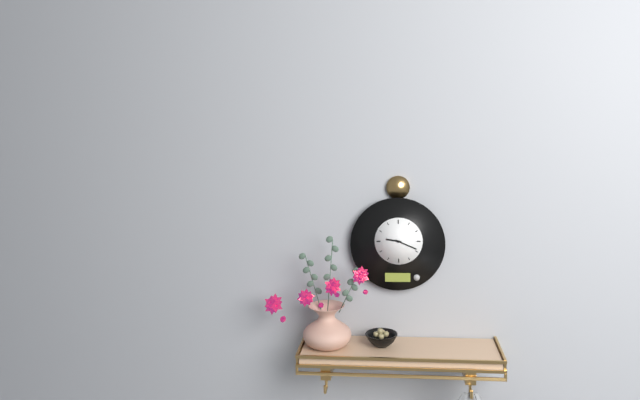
9h19
